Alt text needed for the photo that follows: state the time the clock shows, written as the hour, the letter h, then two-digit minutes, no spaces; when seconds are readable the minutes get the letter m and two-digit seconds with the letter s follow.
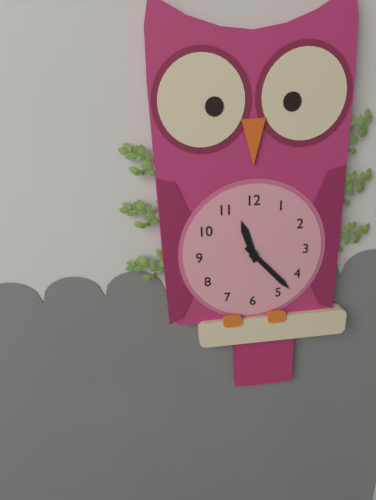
11h23
